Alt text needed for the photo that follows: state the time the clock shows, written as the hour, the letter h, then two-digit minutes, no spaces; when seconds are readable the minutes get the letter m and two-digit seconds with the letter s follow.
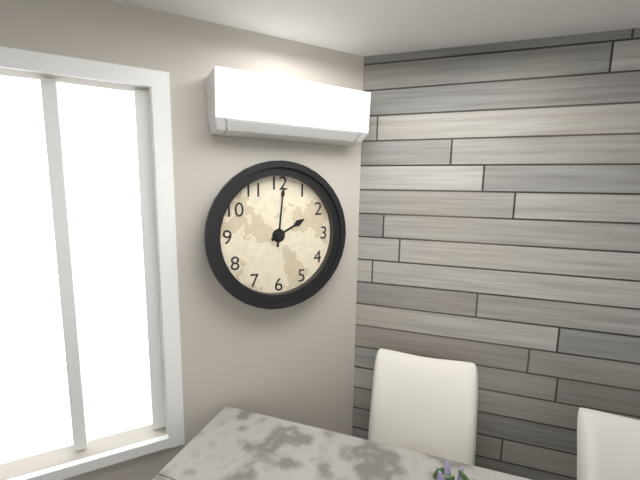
2h01
